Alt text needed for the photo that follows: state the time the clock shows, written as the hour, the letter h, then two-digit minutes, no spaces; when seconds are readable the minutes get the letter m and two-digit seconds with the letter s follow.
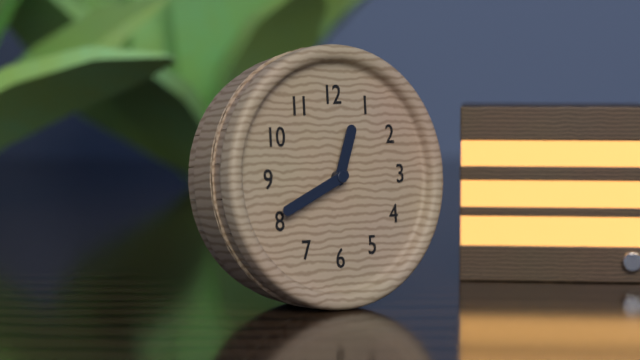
12h41
